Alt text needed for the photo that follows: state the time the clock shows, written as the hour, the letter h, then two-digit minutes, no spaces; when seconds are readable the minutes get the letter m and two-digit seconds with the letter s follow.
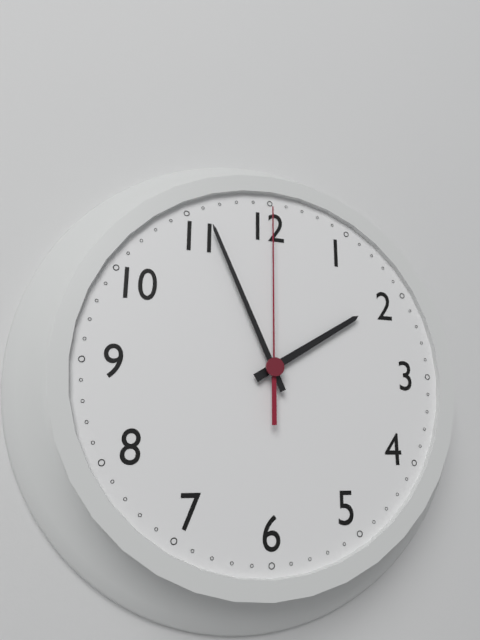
1h56m00s
